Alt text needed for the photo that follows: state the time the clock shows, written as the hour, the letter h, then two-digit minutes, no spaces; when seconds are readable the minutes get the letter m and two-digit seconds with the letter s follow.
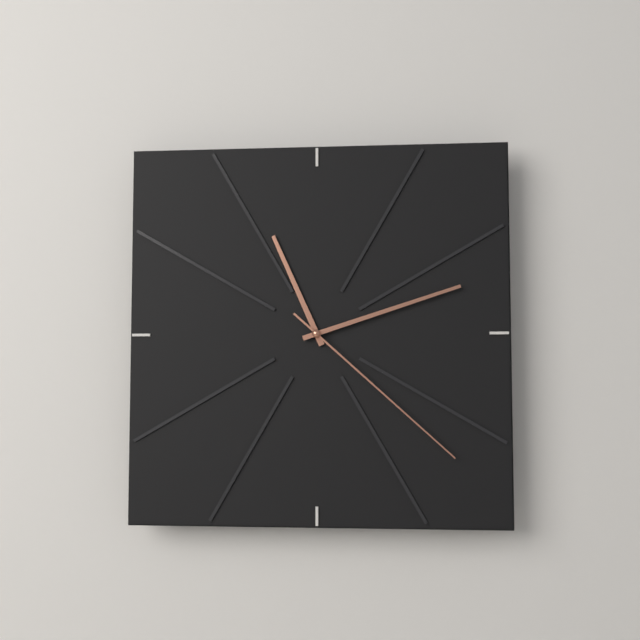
11h12m22s
